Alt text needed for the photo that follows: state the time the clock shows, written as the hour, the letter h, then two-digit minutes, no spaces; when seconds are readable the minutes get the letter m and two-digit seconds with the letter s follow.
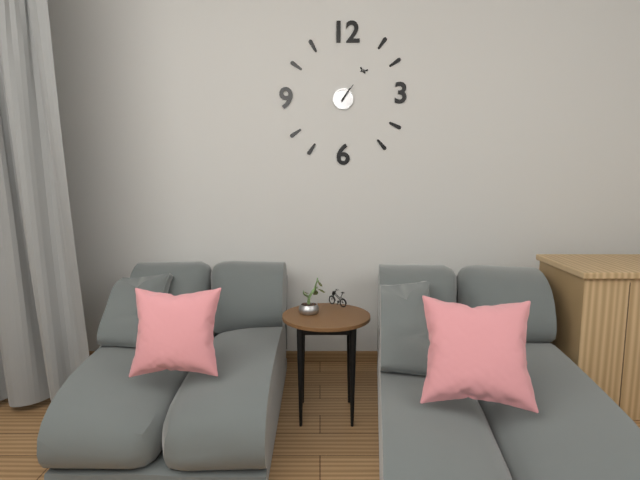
1h06
